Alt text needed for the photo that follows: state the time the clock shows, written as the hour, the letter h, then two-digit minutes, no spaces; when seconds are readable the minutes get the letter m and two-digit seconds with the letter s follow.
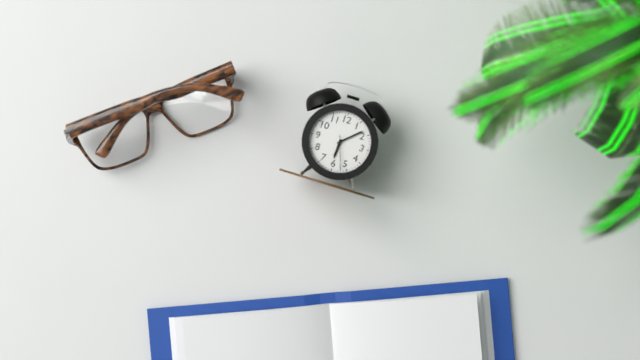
6h08
